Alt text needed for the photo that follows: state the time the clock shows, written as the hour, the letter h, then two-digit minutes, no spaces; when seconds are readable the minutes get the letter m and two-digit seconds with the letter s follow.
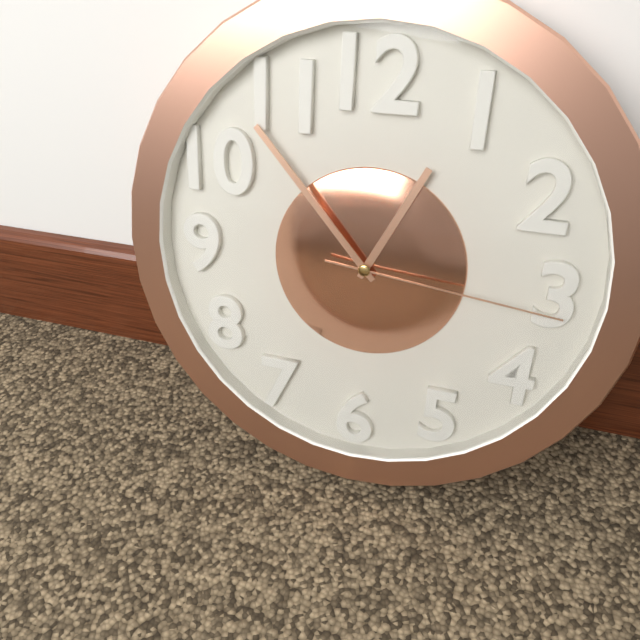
12h53m16s
